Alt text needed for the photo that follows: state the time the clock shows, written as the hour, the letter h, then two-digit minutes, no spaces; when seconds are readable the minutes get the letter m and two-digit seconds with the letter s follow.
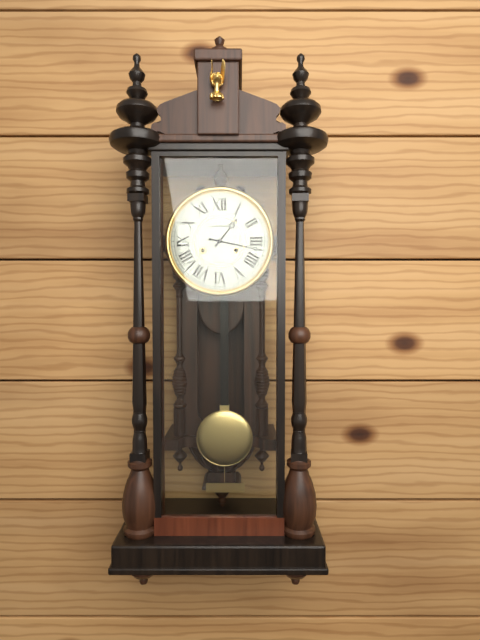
1h17
